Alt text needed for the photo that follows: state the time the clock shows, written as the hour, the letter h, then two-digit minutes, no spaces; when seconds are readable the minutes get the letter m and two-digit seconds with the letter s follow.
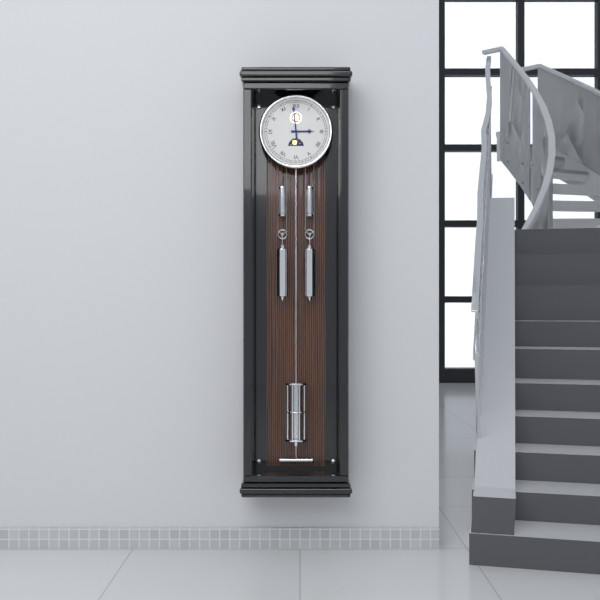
2h59
